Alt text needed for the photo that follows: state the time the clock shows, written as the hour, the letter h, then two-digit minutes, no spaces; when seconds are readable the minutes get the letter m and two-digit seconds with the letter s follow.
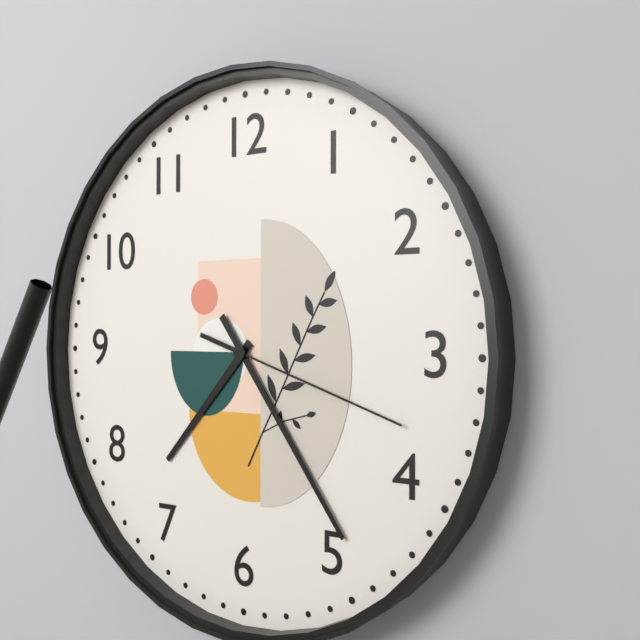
7h24m18s
